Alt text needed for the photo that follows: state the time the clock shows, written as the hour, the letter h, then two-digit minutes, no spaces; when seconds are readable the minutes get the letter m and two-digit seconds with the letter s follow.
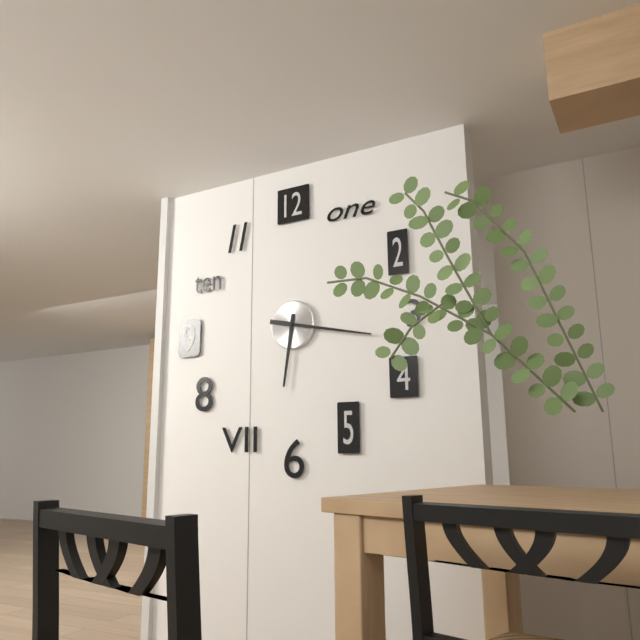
6h17
